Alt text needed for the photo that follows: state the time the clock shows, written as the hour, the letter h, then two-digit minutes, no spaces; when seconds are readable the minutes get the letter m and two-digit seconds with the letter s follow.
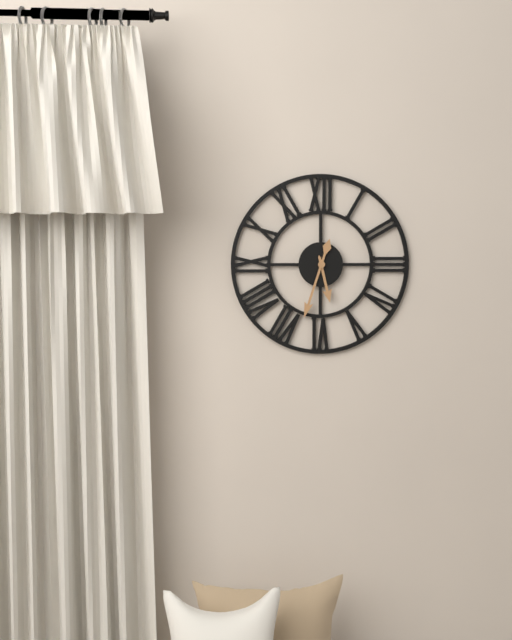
5h33
